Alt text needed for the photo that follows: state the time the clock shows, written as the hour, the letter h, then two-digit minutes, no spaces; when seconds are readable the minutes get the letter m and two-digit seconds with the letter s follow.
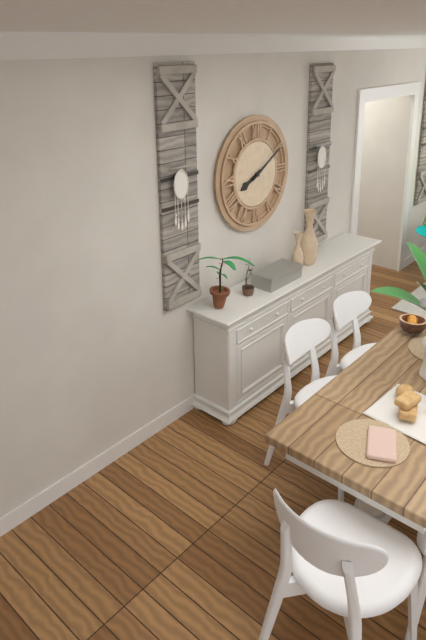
8h10
